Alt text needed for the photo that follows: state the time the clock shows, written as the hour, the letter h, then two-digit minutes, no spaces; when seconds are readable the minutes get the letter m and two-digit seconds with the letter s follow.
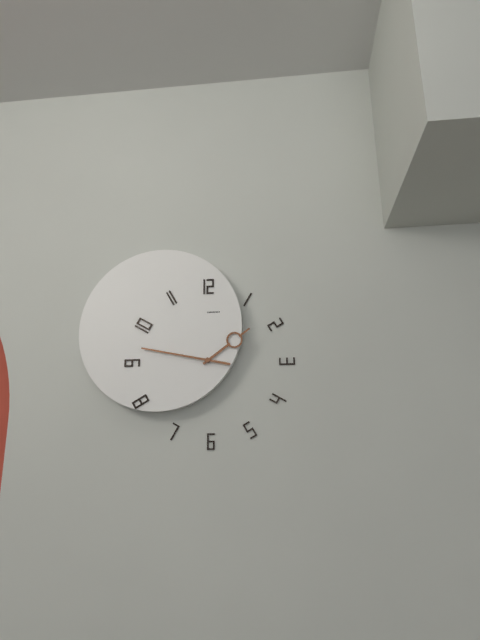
1h47
